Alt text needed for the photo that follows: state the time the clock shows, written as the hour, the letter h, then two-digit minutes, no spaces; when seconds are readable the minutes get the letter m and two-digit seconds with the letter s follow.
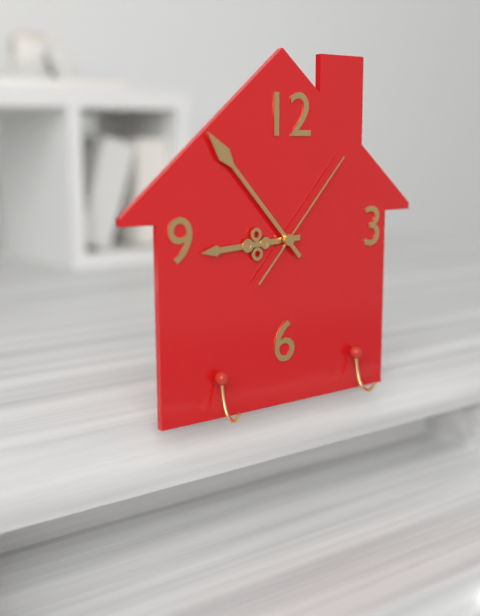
8h53m07s
